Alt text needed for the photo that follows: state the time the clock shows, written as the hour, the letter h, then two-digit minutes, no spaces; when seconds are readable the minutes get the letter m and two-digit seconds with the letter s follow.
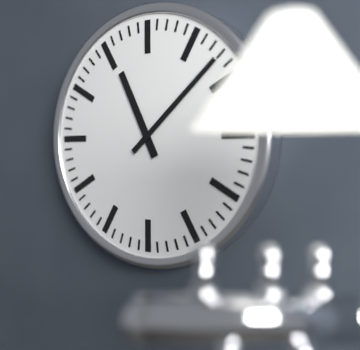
11h08
